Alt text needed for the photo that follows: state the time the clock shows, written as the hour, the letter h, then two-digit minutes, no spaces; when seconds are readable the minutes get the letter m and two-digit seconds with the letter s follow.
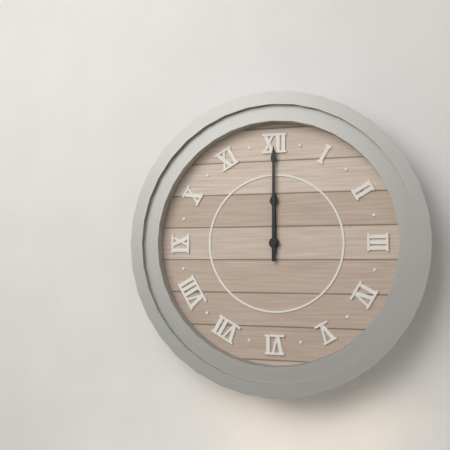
12h00
